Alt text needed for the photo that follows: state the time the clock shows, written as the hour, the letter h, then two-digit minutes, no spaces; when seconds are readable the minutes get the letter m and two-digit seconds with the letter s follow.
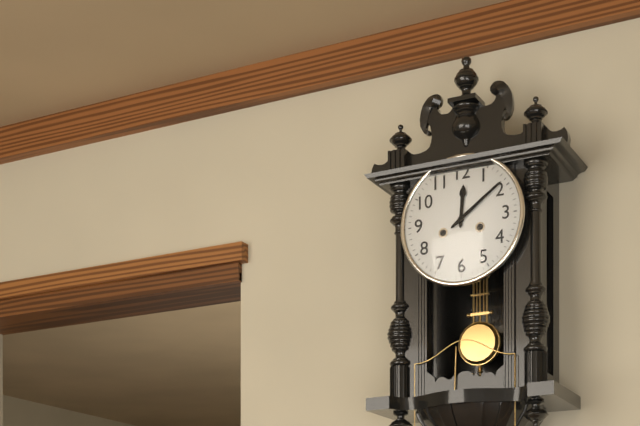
12h09
